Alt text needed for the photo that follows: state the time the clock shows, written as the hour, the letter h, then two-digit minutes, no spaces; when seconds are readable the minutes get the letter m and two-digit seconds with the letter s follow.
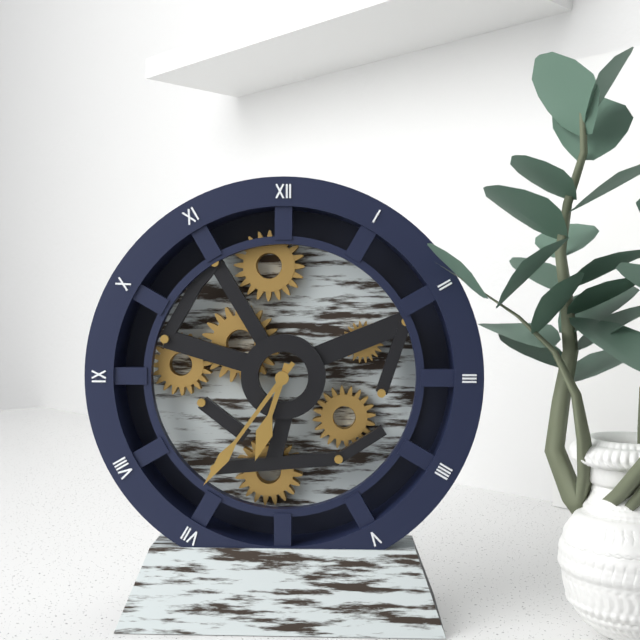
6h36
